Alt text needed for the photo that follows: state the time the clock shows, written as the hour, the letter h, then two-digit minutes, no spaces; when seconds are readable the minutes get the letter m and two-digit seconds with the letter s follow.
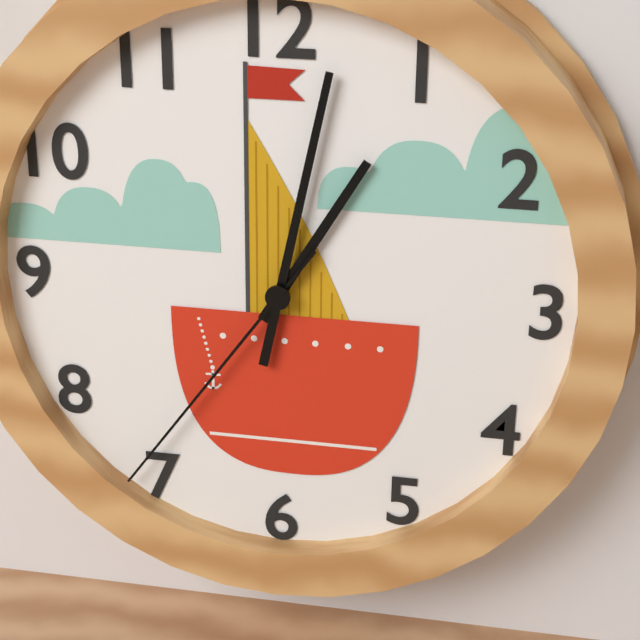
1h02m36s
